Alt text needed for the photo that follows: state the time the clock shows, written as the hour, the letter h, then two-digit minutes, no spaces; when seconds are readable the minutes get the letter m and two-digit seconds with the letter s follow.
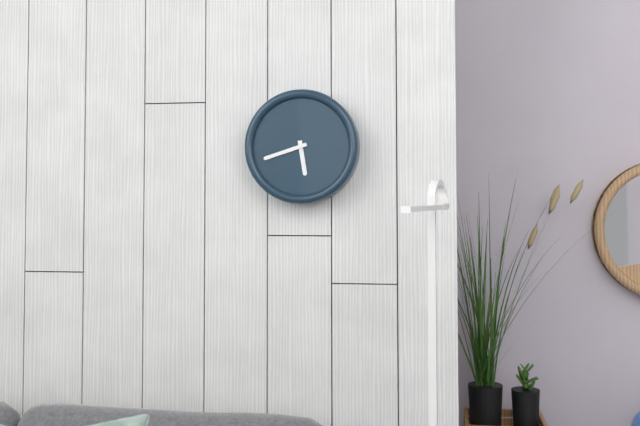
5h42
